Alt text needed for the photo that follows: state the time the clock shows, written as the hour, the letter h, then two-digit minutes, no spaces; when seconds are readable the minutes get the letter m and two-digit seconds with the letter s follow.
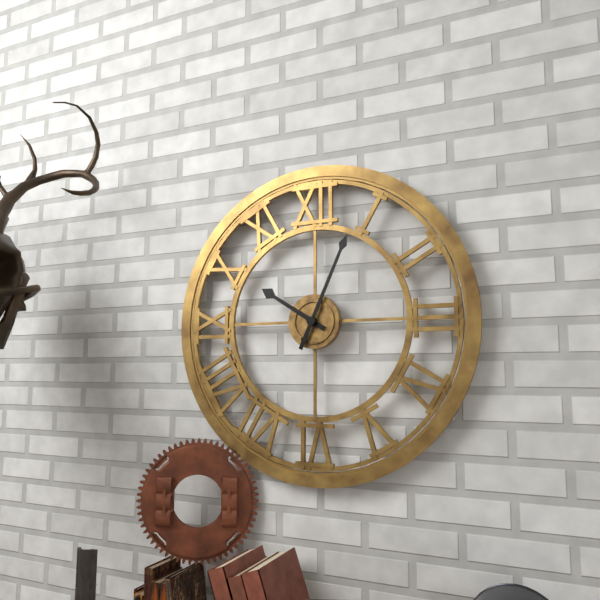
10h04
